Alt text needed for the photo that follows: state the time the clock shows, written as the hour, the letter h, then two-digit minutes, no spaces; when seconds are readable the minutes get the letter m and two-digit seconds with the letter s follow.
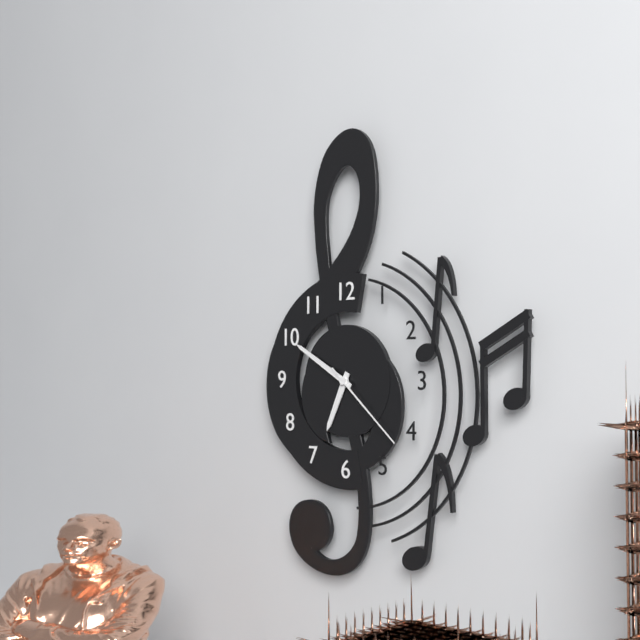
6h50m22s
